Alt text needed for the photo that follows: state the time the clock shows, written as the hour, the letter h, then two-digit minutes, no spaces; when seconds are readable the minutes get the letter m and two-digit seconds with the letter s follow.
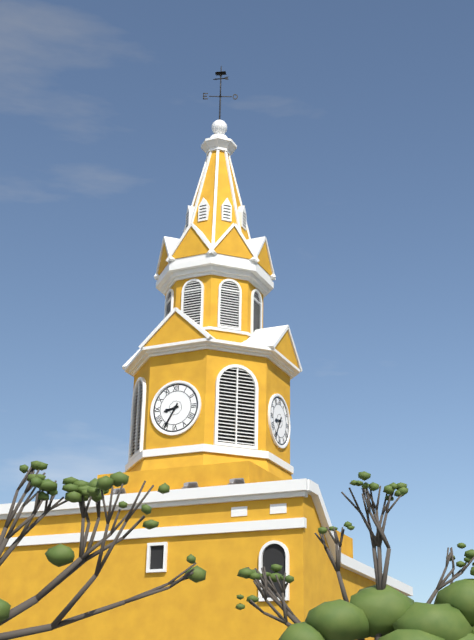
8h35
